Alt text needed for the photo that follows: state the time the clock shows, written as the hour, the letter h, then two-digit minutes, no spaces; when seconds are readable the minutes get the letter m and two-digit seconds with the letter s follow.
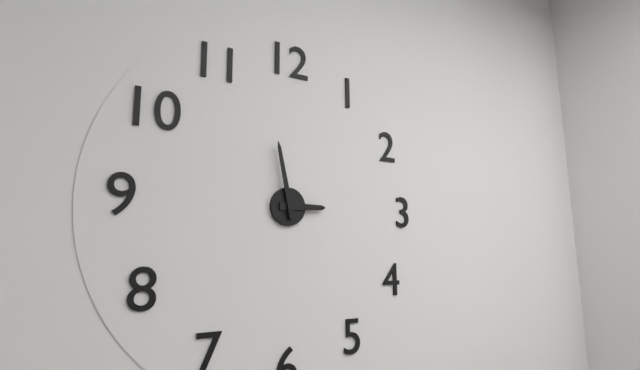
2h58
